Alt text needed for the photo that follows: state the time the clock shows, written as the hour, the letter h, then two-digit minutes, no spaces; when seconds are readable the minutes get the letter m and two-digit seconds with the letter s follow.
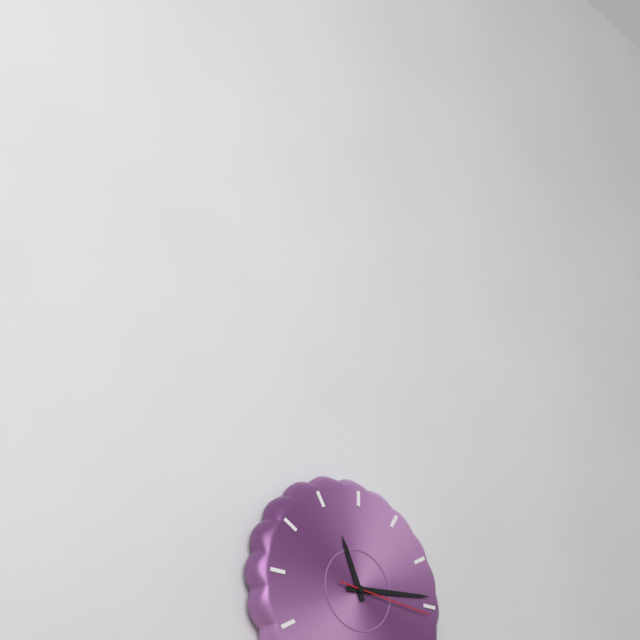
11h14m16s
